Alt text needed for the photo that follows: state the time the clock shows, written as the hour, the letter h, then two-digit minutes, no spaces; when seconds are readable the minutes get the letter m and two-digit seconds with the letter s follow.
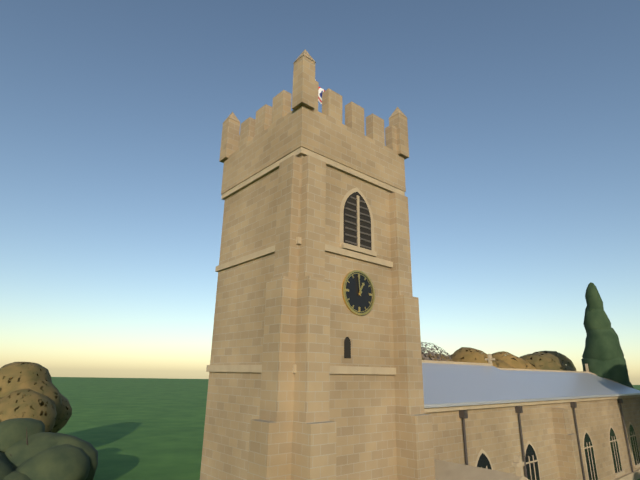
12h59
